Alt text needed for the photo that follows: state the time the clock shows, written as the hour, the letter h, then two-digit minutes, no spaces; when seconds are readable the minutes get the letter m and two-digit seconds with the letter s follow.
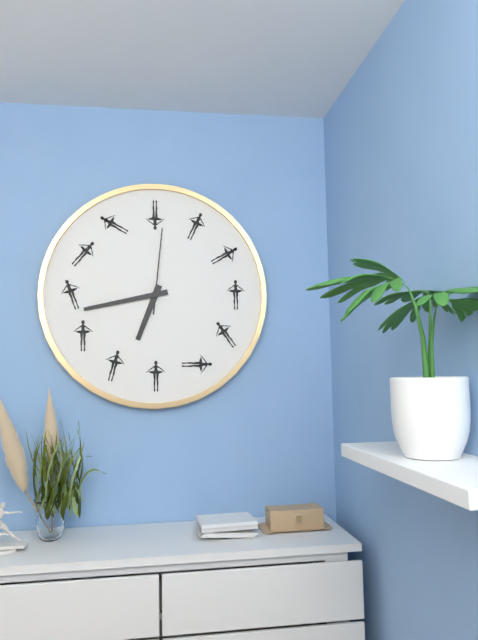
6h43m01s
